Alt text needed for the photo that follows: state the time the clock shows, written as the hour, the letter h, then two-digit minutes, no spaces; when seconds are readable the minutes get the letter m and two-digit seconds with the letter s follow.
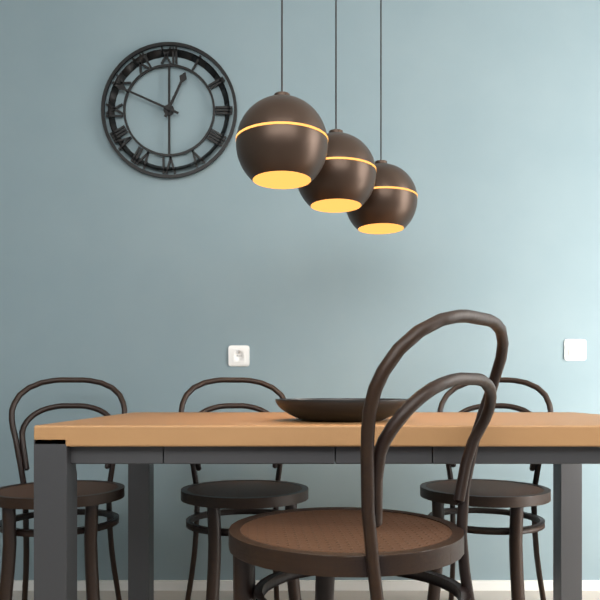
12h49
